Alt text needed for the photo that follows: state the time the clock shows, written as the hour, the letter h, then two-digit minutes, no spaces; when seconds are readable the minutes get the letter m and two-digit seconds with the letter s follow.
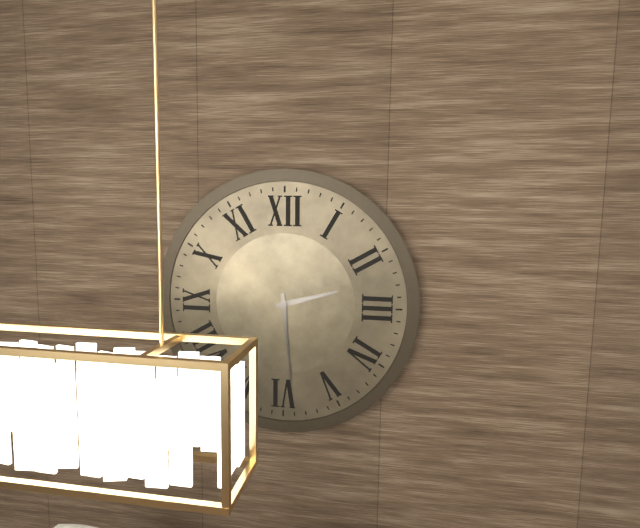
2h29
